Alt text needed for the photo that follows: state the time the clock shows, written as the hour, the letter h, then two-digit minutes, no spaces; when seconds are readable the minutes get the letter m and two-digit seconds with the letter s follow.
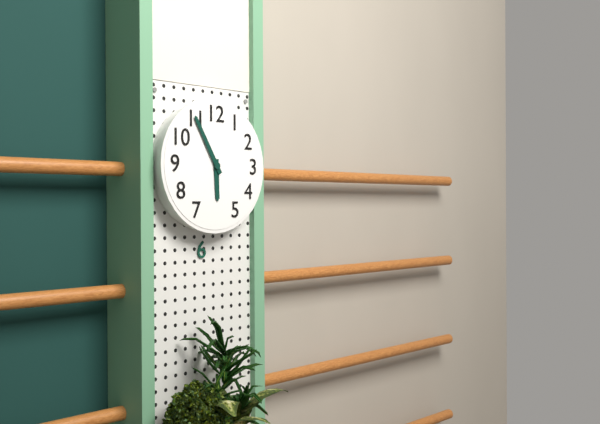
5h55
